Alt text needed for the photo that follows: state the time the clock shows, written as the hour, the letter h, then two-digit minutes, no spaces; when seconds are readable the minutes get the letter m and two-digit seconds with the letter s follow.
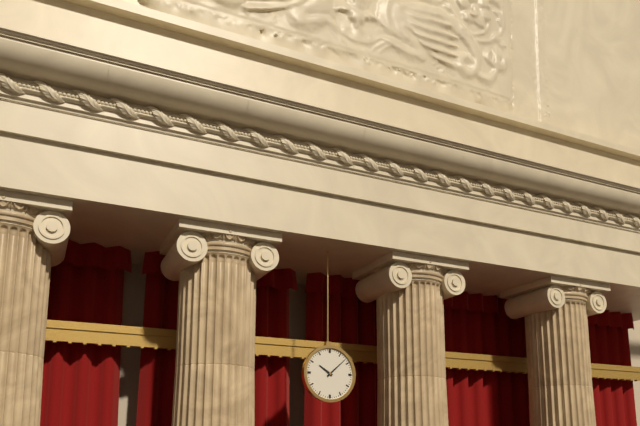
10h08
